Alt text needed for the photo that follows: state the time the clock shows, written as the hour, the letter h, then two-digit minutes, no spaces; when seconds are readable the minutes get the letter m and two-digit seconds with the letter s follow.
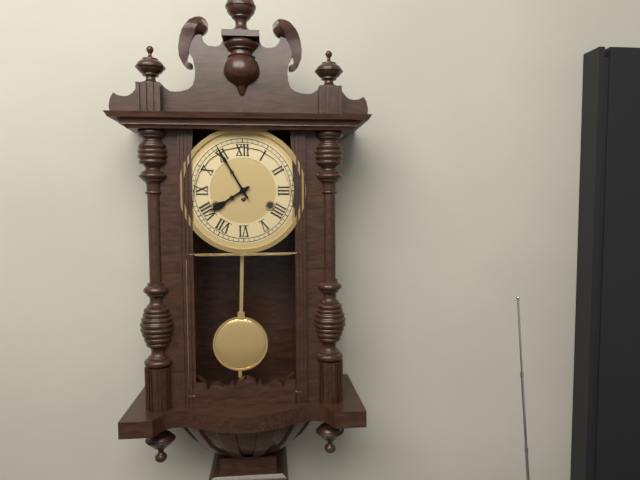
7h55
